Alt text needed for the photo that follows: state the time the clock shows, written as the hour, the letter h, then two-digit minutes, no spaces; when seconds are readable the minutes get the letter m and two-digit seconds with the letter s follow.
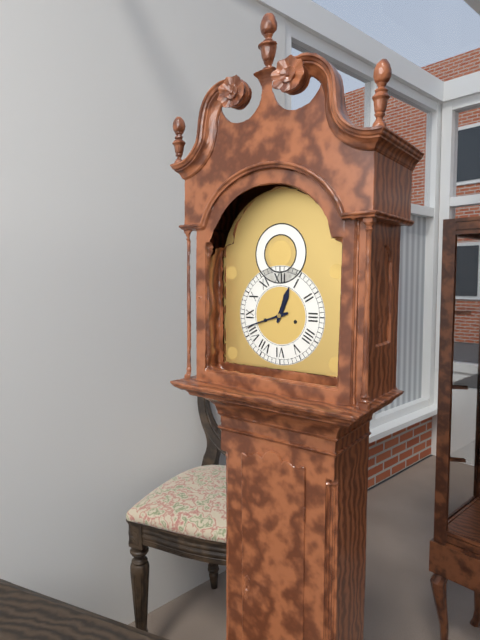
12h42
